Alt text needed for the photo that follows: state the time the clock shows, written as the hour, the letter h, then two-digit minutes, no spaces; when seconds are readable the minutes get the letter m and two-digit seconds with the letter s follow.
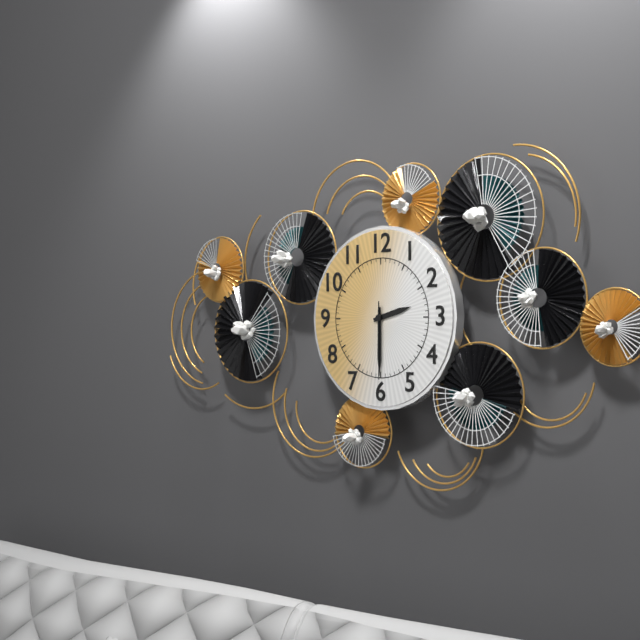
2h30m30s
